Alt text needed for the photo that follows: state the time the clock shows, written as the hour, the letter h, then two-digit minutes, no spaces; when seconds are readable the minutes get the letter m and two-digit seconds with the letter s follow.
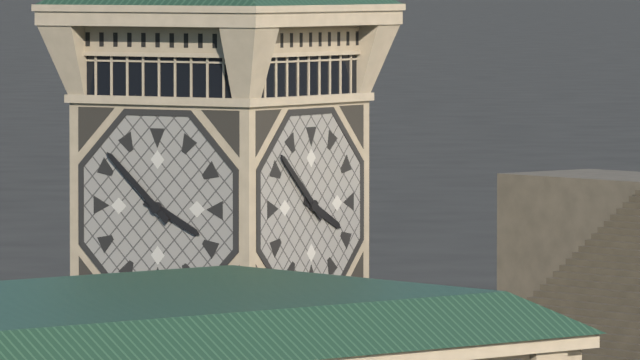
3h52
